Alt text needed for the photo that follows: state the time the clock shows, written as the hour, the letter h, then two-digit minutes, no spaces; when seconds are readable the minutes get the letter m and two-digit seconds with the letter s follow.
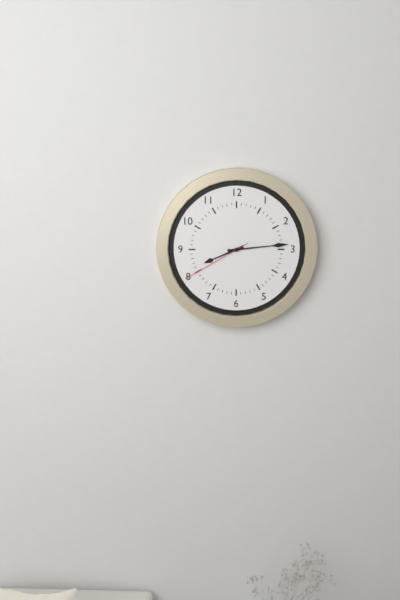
8h14m40s
